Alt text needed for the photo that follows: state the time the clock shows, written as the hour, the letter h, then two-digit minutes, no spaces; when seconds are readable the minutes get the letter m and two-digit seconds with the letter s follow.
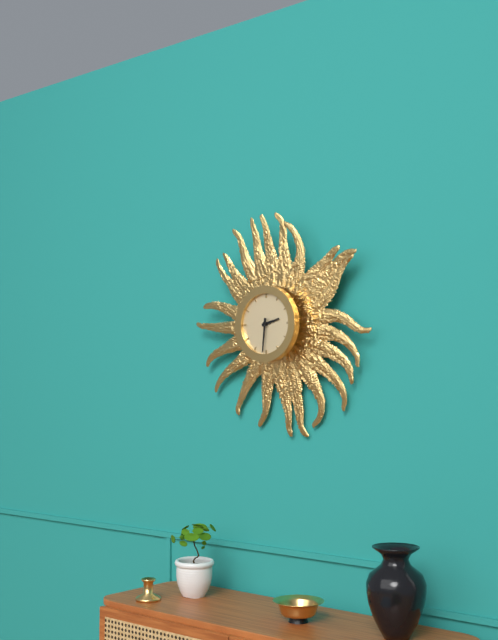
2h31
